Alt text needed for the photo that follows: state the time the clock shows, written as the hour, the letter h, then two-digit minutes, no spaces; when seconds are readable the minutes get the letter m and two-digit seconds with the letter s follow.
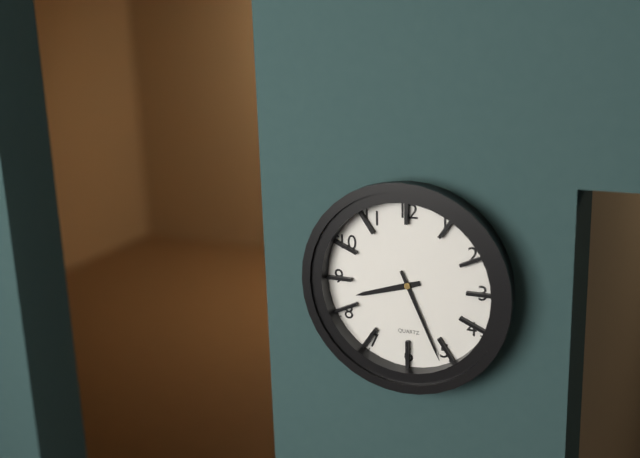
8h26
